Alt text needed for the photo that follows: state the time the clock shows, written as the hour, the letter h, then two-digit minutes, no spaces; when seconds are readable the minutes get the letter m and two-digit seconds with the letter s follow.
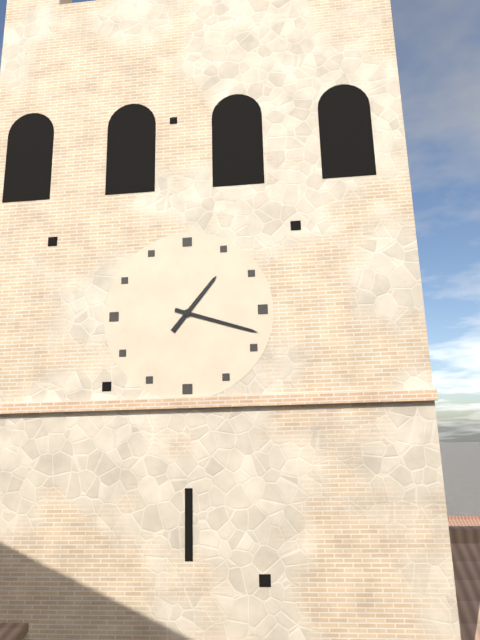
1h18
